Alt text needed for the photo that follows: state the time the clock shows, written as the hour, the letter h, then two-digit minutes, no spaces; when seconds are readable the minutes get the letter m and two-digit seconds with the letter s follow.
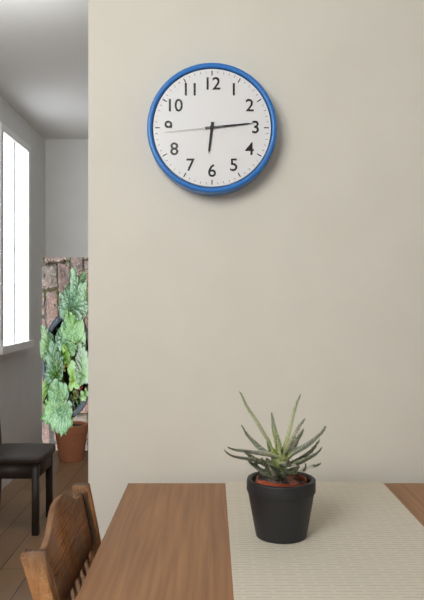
6h14m44s
